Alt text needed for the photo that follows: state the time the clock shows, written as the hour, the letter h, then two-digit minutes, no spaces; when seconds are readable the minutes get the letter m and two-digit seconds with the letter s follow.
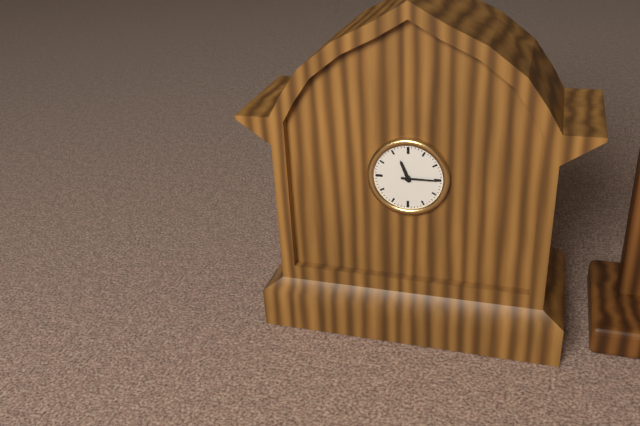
11h15
